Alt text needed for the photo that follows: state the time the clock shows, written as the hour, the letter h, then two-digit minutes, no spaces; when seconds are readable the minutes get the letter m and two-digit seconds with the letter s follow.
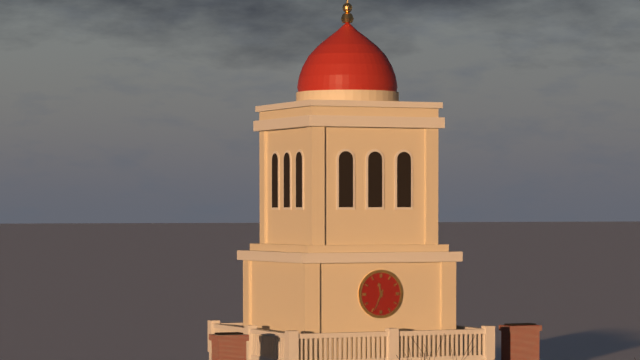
11h34
